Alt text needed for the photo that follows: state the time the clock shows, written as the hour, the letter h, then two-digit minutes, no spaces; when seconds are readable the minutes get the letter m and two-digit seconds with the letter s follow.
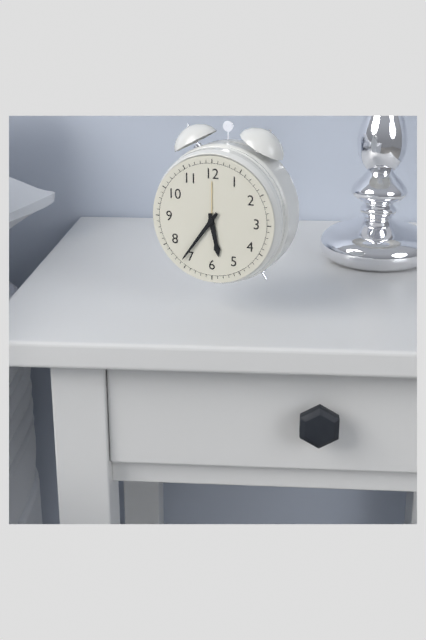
5h36
